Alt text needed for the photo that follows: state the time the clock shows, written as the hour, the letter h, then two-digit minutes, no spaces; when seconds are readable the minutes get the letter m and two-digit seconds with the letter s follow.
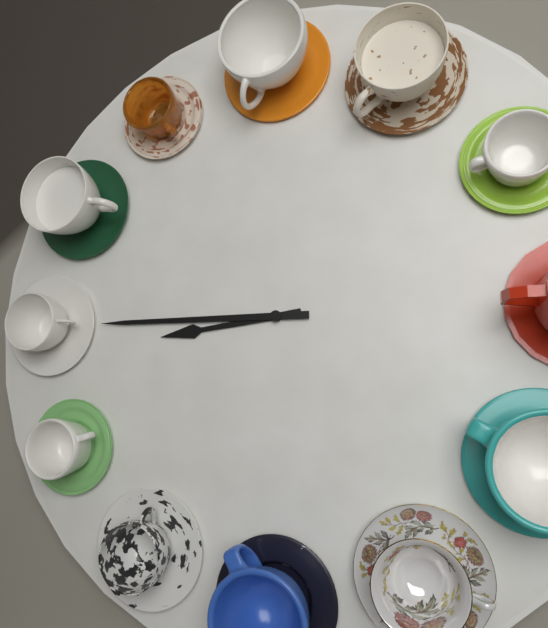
8h45
